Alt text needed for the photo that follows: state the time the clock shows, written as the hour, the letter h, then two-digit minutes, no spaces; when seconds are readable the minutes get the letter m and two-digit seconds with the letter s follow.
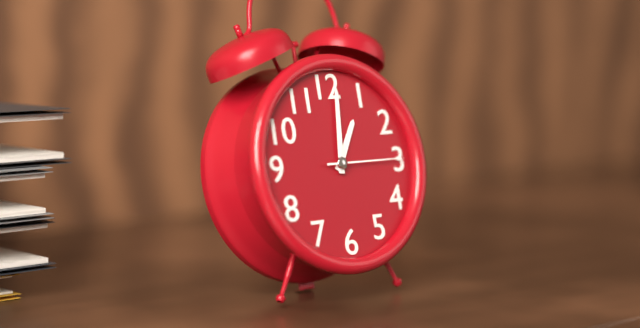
1h01m15s
